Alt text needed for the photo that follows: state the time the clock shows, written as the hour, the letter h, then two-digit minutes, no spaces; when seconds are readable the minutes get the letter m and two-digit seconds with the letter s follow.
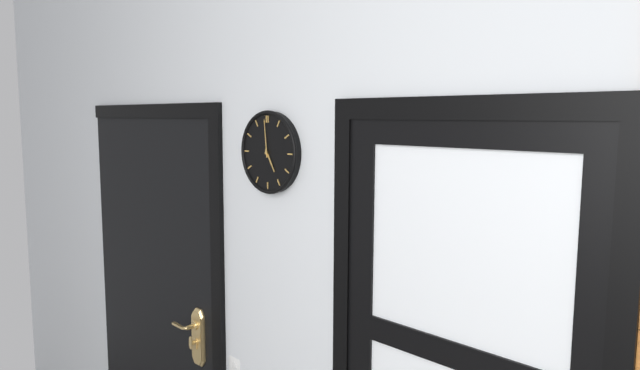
4h59
